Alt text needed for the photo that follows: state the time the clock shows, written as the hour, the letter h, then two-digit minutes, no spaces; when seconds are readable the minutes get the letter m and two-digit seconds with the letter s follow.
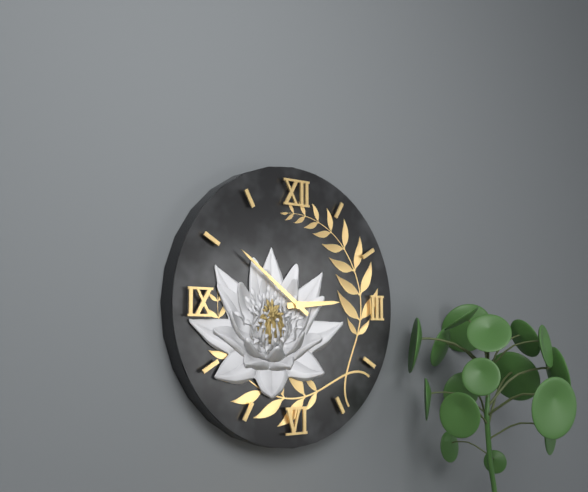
2h51
